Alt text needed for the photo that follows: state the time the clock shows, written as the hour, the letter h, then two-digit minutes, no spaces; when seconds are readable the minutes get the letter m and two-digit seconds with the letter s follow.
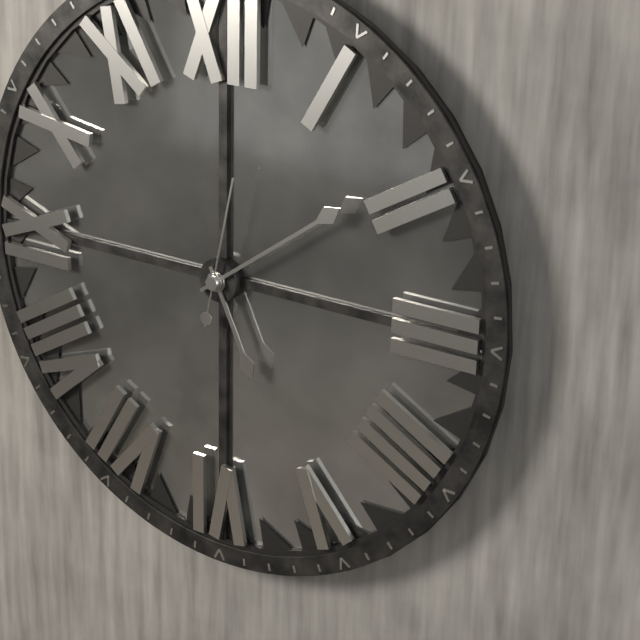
5h09m02s
